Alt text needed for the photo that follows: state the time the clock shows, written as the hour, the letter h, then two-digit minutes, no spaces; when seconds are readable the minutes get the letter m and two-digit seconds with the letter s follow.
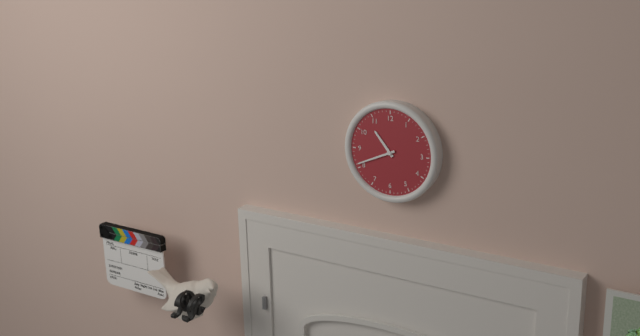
10h41
